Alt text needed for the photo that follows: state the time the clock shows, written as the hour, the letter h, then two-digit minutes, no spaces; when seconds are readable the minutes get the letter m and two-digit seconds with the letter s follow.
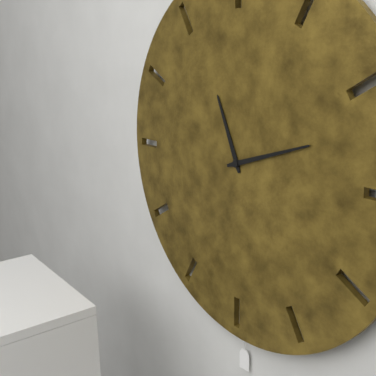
11h12
